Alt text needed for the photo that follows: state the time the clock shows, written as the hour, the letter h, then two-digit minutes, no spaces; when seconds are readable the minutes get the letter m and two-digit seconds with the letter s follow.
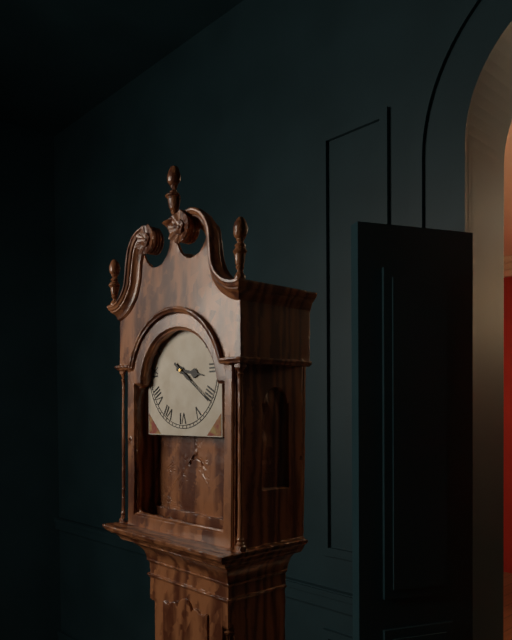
3h21
